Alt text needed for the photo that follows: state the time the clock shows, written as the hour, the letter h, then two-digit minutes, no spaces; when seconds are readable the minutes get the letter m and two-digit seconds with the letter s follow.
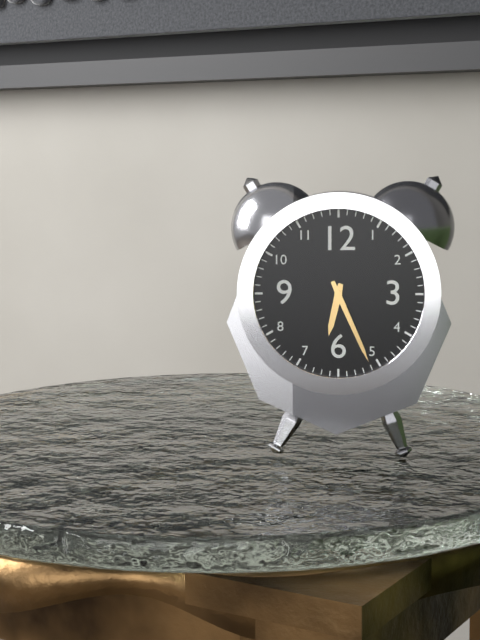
6h26
